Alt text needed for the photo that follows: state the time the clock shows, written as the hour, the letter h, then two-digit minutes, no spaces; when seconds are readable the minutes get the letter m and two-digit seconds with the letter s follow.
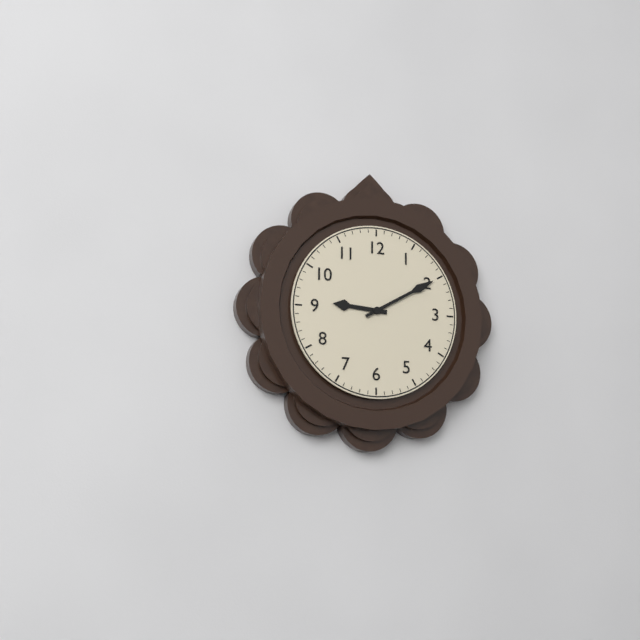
9h10
